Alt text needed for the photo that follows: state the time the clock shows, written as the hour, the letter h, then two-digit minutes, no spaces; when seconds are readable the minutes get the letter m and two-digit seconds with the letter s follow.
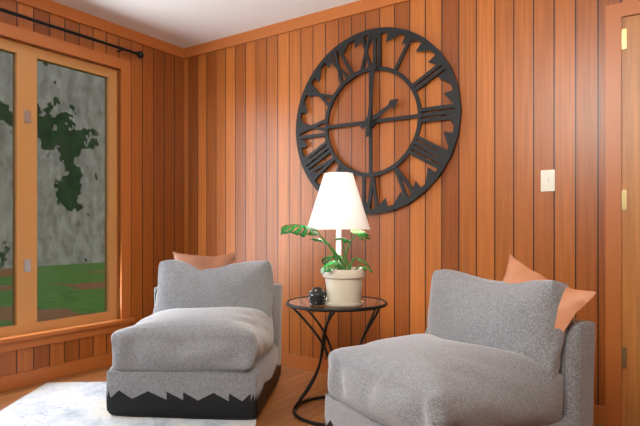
2h01
